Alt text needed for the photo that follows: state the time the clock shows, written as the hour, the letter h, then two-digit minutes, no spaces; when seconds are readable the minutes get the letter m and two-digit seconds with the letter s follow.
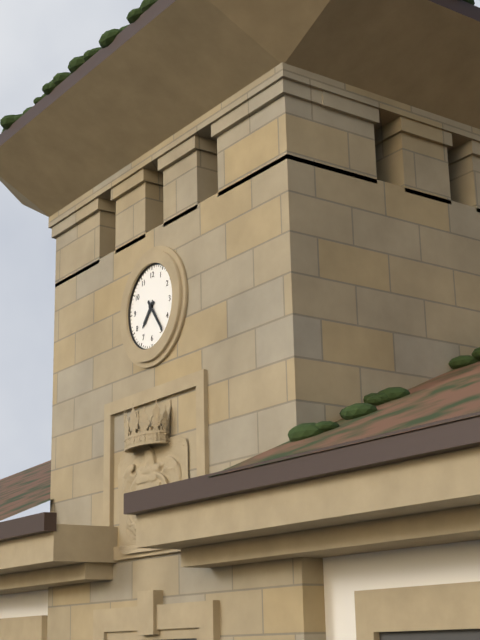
7h24
